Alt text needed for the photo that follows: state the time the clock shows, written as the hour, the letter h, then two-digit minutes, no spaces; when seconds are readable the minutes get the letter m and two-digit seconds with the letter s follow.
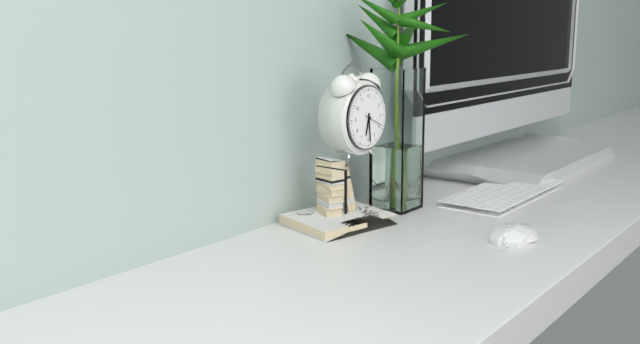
6h29
